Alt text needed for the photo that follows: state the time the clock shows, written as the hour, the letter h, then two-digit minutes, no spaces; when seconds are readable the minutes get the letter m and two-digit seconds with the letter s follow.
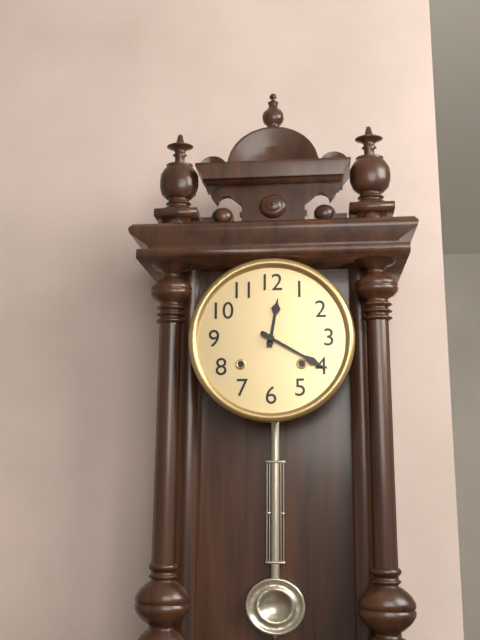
12h20
